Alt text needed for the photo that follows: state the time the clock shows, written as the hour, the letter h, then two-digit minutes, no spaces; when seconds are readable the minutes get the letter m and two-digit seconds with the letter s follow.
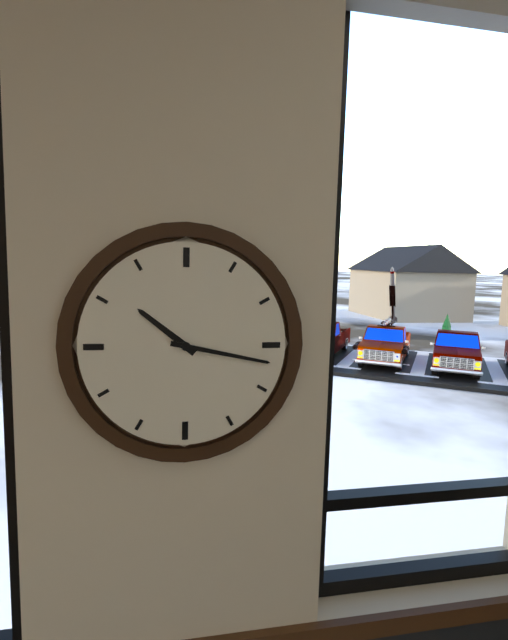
10h17
